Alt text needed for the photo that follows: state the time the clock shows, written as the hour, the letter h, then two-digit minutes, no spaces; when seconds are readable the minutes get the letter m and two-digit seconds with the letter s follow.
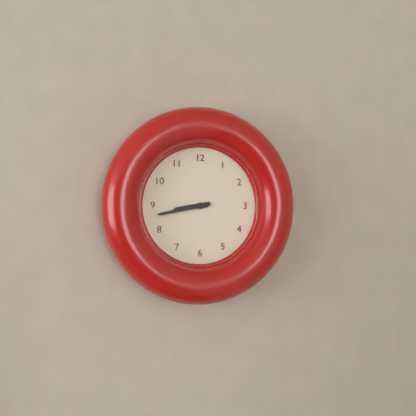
8h43
